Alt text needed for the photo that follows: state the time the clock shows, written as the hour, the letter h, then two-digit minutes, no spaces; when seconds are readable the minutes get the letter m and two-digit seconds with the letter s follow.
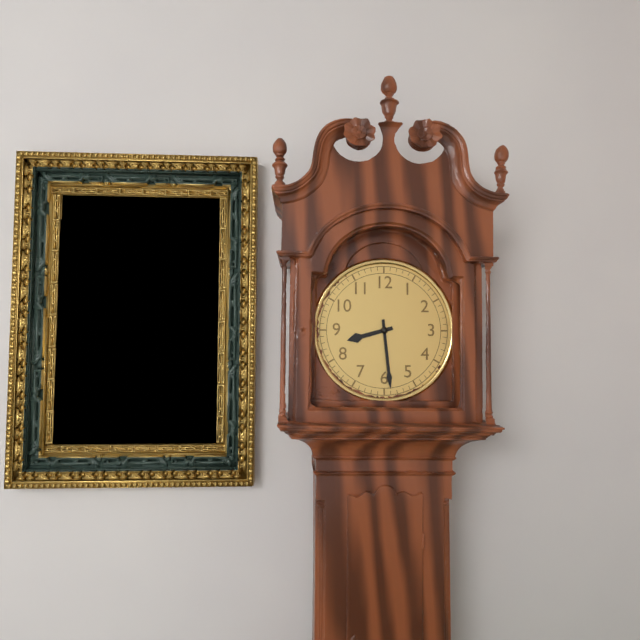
8h29
